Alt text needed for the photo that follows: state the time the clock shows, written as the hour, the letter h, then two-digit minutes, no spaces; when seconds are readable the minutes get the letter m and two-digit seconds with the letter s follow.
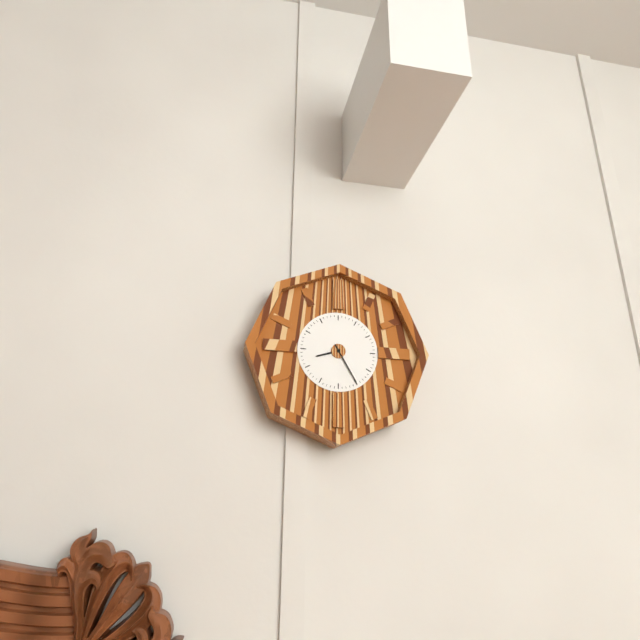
8h25
